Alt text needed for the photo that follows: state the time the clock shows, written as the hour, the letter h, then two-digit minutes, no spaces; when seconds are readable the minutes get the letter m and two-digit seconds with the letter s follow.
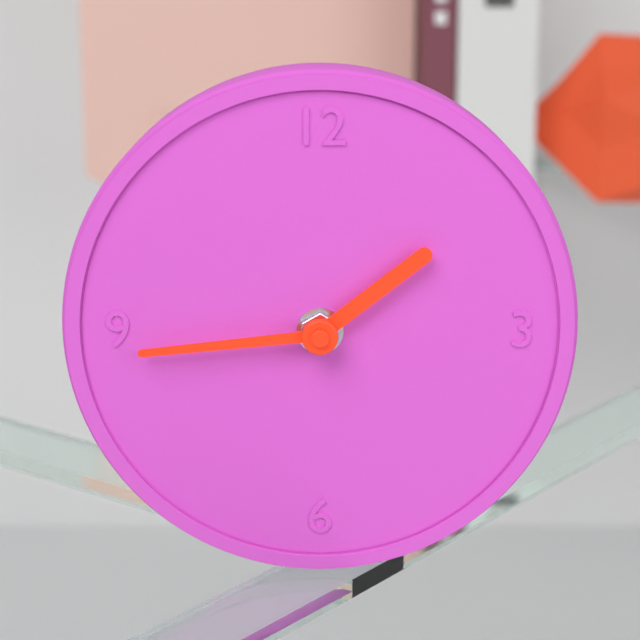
1h44
